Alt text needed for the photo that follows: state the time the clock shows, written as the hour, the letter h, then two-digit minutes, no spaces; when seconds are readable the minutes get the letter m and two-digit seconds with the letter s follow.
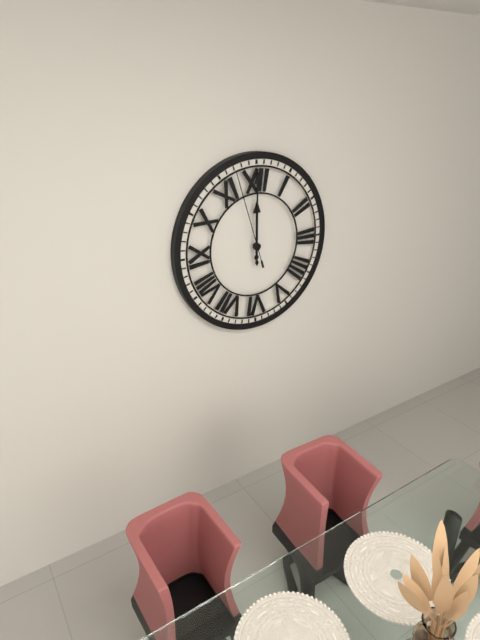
12h00m57s
